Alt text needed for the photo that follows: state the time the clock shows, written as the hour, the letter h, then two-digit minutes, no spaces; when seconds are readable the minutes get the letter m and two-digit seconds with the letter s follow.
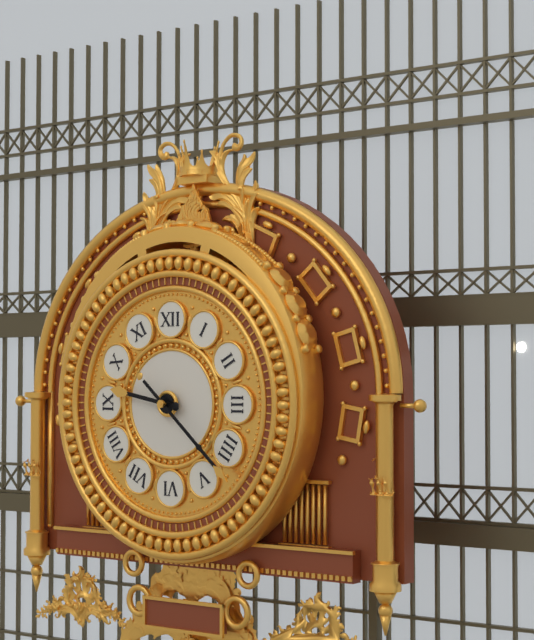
9h22
